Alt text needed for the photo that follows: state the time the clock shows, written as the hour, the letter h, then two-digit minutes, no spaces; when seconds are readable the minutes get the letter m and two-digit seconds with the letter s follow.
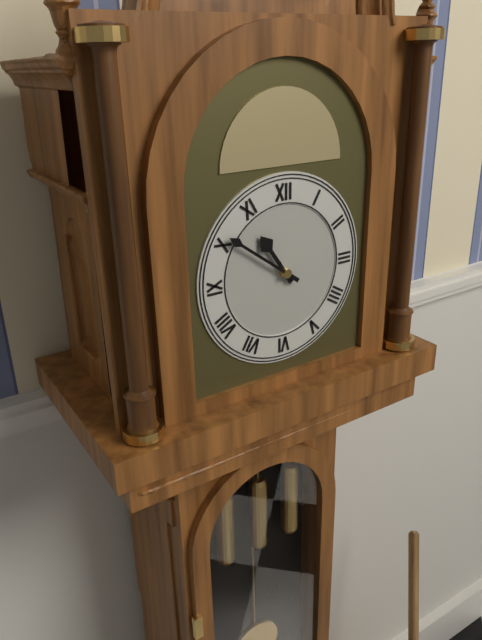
10h51
